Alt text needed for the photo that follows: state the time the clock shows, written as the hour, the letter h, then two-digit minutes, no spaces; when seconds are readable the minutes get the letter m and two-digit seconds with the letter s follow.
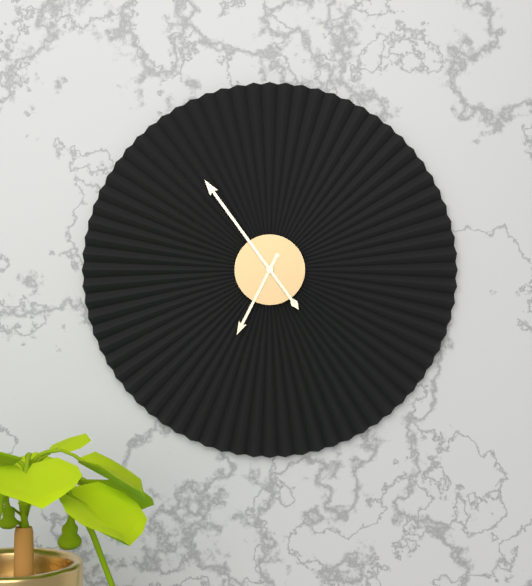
6h54
